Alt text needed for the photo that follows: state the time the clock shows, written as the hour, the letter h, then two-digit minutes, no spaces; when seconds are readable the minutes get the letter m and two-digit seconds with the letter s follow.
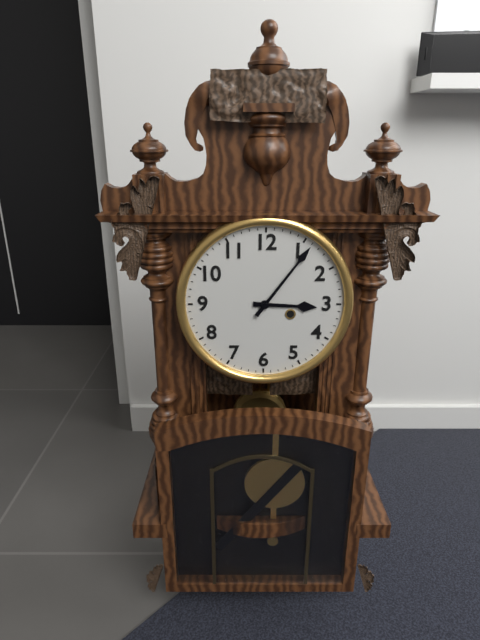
3h06
